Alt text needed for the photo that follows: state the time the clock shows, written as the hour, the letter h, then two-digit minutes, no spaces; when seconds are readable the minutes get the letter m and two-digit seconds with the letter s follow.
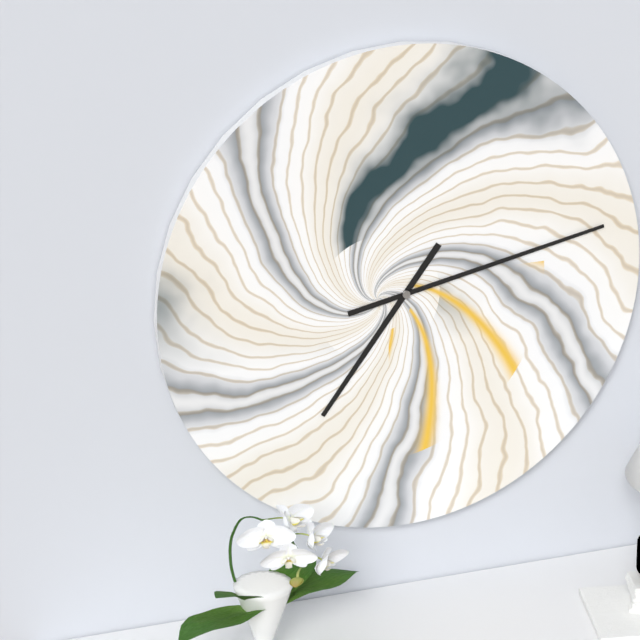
7h13
